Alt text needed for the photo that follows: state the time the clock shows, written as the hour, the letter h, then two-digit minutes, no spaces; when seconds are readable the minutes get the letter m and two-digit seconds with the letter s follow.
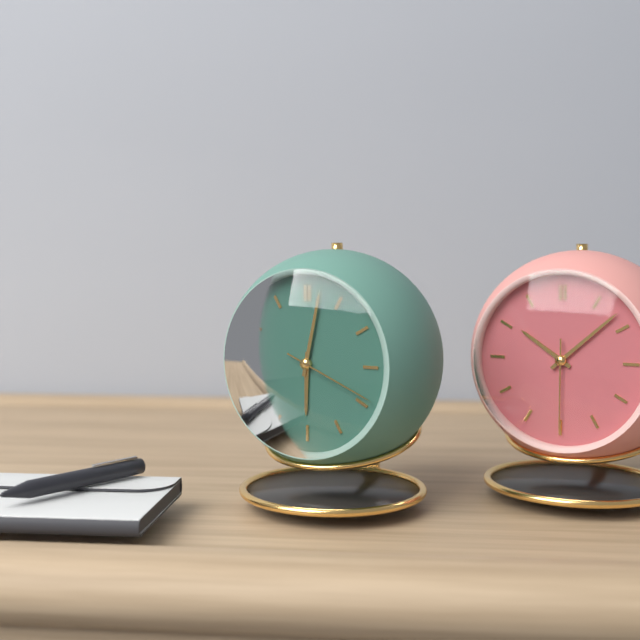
6h02m19s
